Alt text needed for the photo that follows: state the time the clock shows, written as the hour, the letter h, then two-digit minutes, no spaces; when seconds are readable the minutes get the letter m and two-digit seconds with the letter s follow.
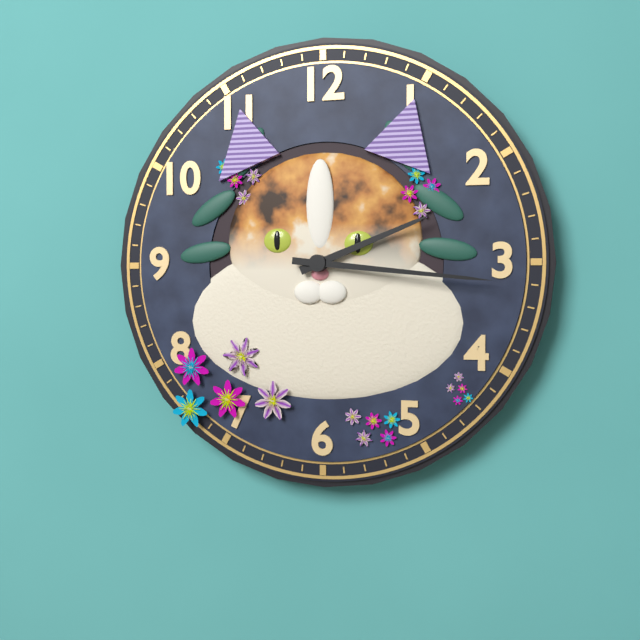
2h16
